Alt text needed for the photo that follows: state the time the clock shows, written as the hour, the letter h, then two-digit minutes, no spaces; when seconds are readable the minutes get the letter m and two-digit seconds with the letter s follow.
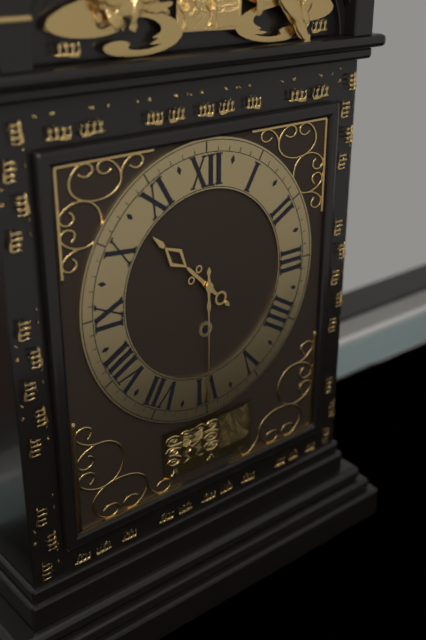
10h30
